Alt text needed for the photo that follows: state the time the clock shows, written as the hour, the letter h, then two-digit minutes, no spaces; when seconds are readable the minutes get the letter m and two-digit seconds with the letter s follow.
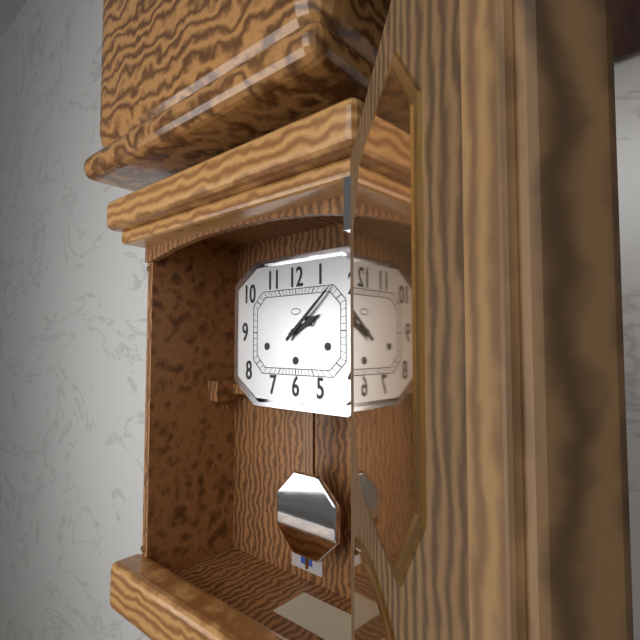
2h08
